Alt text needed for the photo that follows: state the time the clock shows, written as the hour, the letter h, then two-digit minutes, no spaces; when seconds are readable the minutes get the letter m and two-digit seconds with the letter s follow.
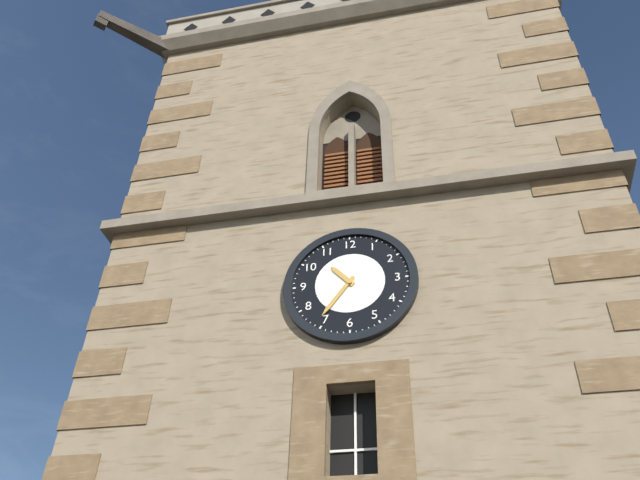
10h36
